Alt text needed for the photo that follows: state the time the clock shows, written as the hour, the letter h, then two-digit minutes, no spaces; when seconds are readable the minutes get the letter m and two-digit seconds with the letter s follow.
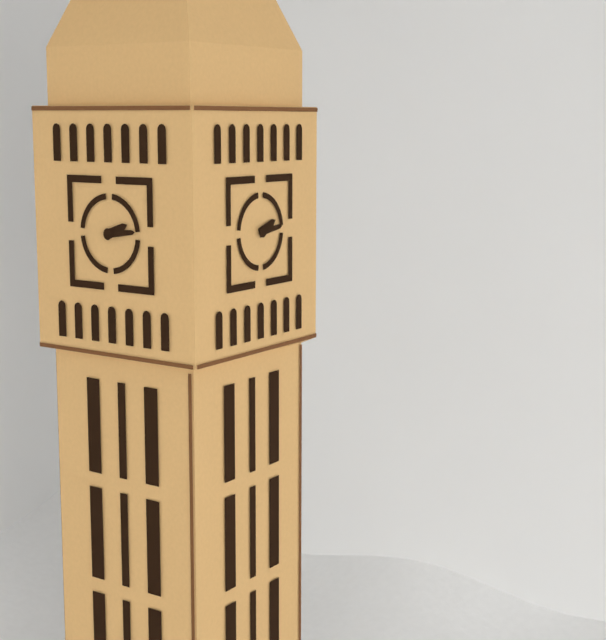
2h14
